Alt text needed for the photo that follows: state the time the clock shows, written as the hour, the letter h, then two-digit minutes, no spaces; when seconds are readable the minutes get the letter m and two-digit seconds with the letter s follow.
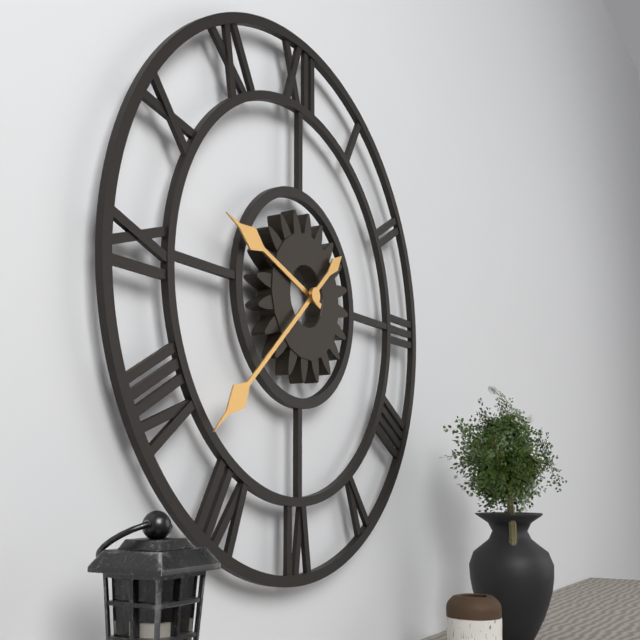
9h38
